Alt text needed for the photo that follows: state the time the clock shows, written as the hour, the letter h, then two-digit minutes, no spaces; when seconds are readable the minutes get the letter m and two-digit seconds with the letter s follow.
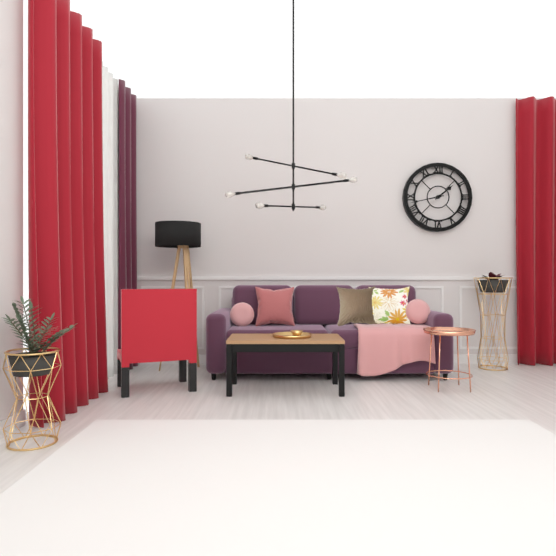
1h43
